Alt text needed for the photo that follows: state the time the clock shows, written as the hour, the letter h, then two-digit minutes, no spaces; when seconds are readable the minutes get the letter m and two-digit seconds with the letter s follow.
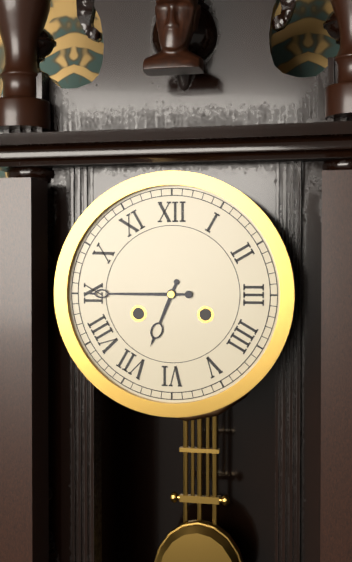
6h45
